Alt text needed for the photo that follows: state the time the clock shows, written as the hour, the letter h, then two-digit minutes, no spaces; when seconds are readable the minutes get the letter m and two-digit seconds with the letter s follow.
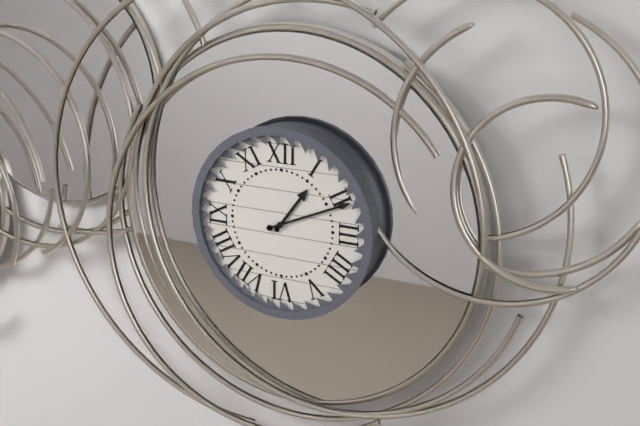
1h11
